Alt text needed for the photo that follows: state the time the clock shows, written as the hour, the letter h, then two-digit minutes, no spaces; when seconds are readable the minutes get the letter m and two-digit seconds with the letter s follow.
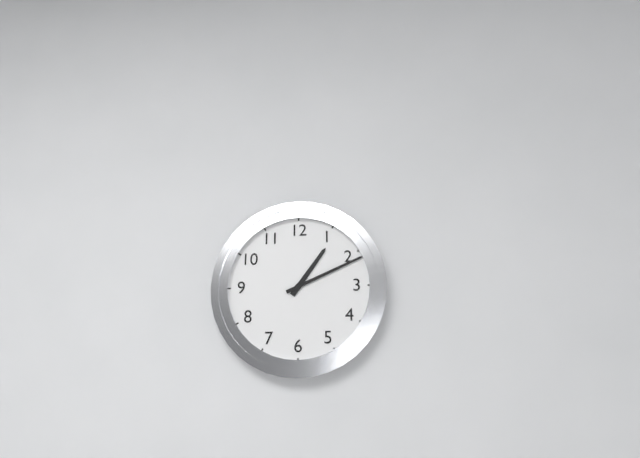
1h11
